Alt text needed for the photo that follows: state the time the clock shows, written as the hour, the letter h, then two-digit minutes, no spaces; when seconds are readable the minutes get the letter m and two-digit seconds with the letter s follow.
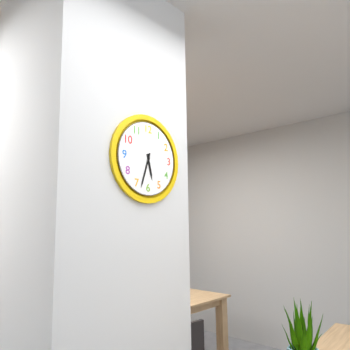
5h33
